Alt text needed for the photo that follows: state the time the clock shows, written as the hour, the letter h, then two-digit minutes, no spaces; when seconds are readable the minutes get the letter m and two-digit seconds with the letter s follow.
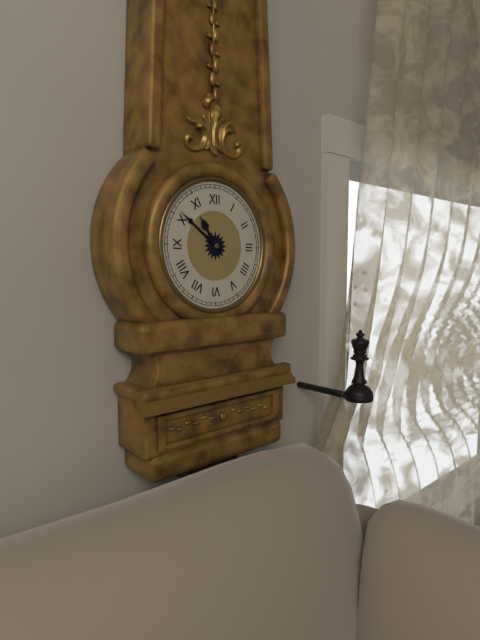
10h51
